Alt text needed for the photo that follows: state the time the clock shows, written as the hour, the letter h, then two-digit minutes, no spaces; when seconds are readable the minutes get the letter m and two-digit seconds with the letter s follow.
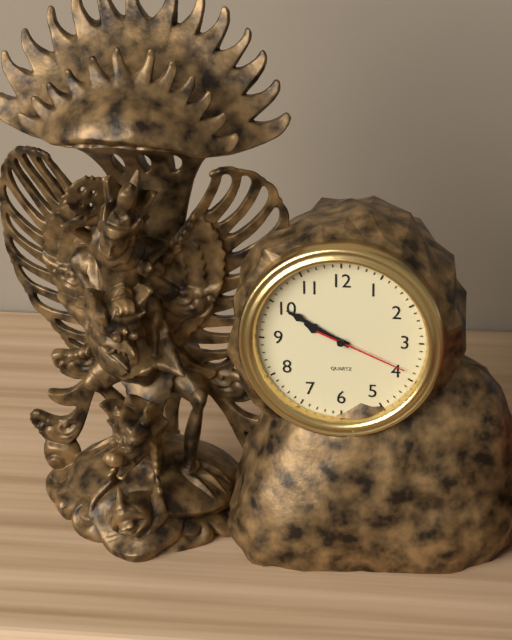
9h50m19s
